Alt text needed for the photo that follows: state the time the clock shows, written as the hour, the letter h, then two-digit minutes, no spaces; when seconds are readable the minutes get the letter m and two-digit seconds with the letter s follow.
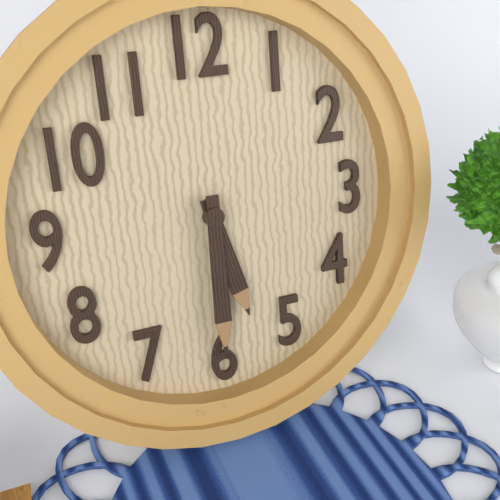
5h30
